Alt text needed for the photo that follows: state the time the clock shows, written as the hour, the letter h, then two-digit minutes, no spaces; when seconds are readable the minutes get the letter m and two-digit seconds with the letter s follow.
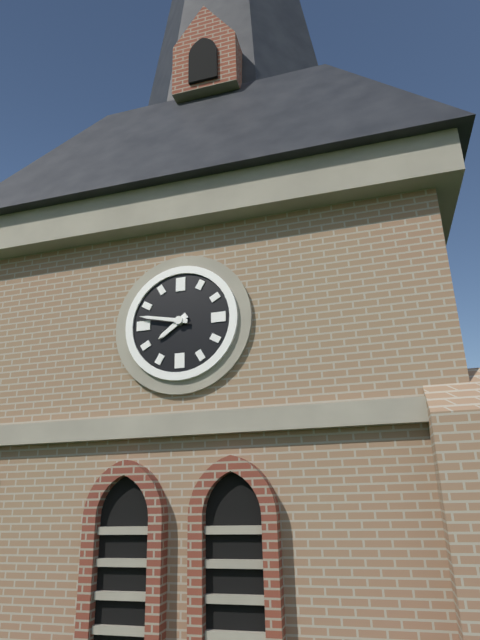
7h47
